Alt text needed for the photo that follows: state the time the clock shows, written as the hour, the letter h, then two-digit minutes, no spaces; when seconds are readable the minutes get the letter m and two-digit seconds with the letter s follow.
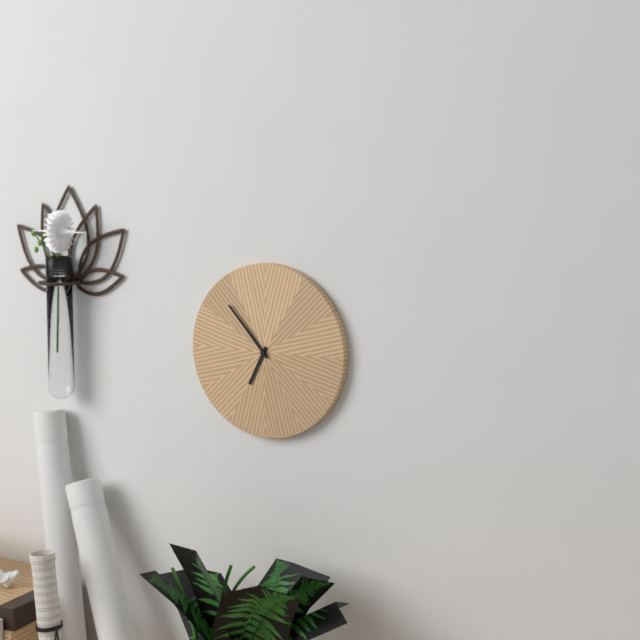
6h53
